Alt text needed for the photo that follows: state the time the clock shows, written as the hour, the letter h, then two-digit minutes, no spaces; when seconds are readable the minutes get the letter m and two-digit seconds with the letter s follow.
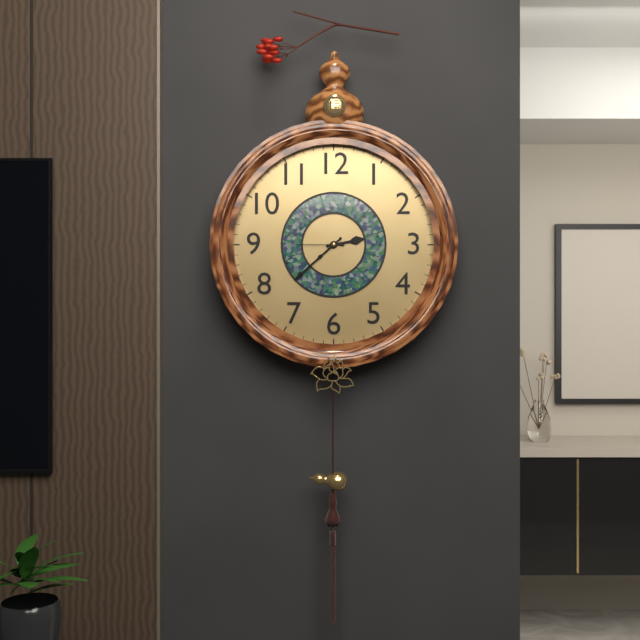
2h38
